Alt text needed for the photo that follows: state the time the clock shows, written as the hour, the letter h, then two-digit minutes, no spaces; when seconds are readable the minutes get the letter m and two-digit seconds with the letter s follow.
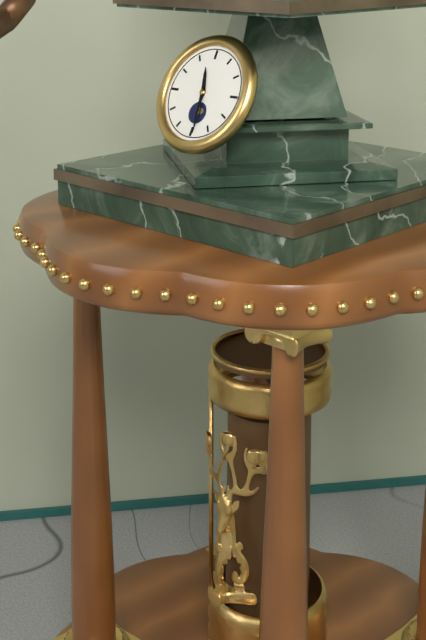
11h29
